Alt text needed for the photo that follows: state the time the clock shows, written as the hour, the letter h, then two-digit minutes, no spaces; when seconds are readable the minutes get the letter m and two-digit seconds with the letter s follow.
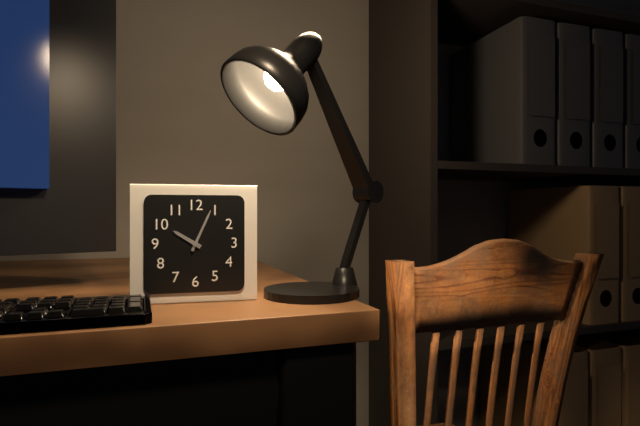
10h04
